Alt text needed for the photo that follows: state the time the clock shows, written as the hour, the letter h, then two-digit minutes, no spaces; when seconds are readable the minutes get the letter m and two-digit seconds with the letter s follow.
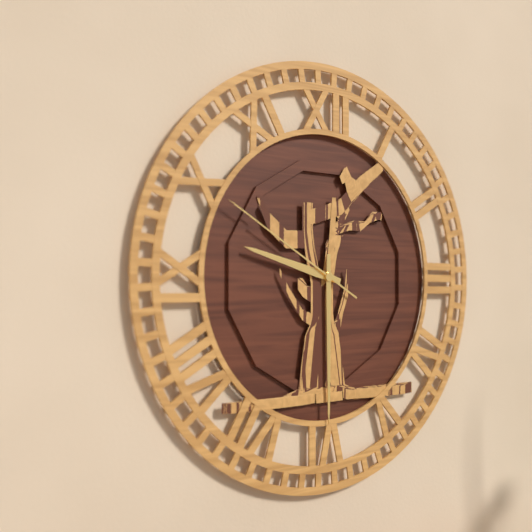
9h30m50s
